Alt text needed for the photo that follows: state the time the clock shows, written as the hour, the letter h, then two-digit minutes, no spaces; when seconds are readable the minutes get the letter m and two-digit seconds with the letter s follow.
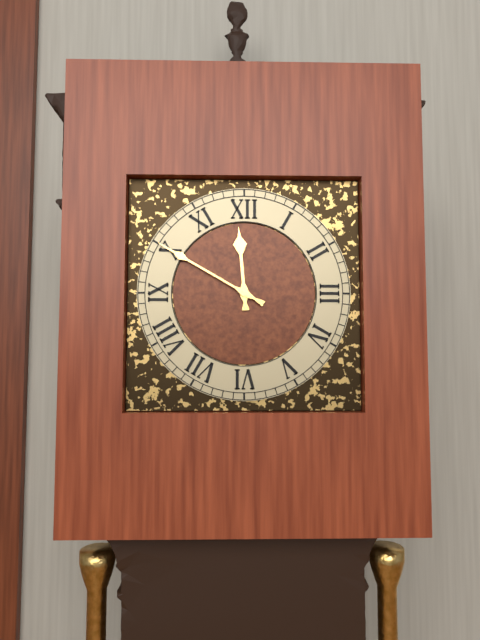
11h50
